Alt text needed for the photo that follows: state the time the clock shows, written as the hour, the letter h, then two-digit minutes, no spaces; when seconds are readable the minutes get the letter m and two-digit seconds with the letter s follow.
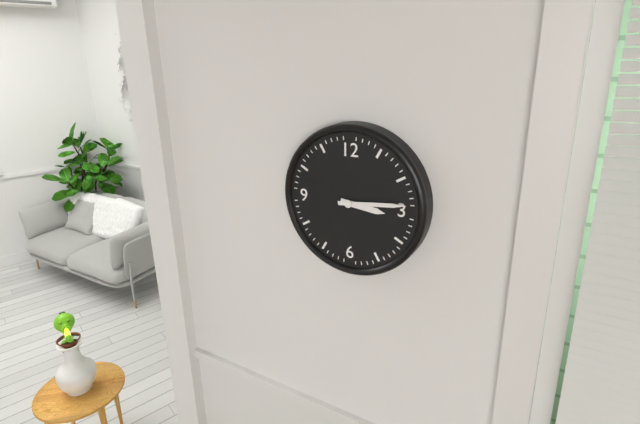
3h14
